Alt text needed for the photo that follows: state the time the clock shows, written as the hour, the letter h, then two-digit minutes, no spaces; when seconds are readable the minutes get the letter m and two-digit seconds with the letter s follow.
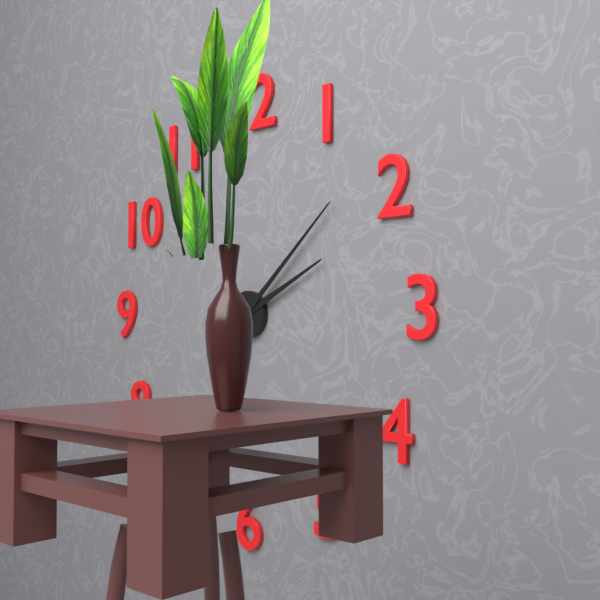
2h08
